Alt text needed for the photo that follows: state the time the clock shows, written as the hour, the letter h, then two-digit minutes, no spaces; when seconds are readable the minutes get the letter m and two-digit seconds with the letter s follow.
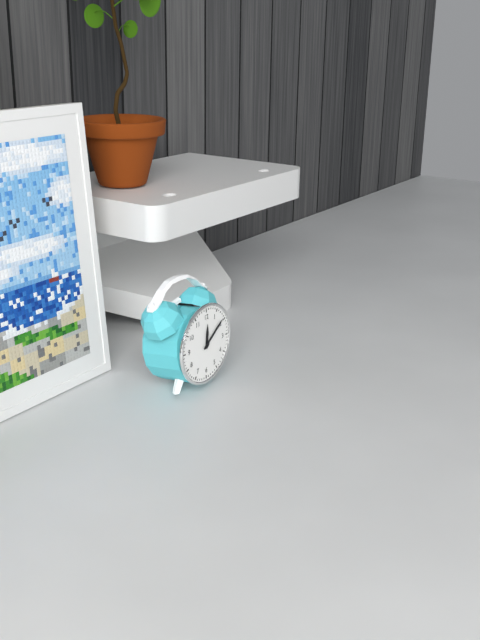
12h09
